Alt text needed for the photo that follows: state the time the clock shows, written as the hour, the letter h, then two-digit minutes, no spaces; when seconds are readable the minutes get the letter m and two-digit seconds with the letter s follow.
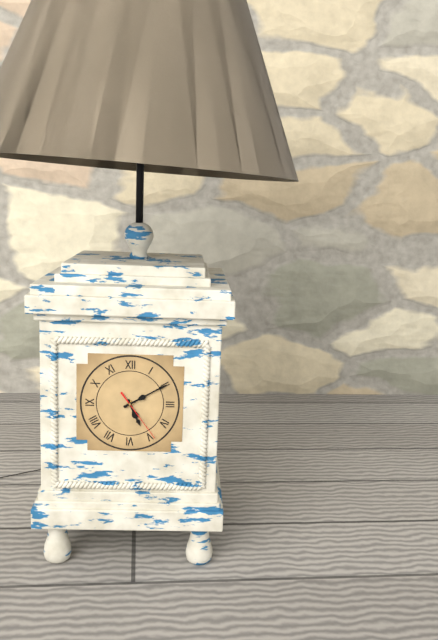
5h10m24s
